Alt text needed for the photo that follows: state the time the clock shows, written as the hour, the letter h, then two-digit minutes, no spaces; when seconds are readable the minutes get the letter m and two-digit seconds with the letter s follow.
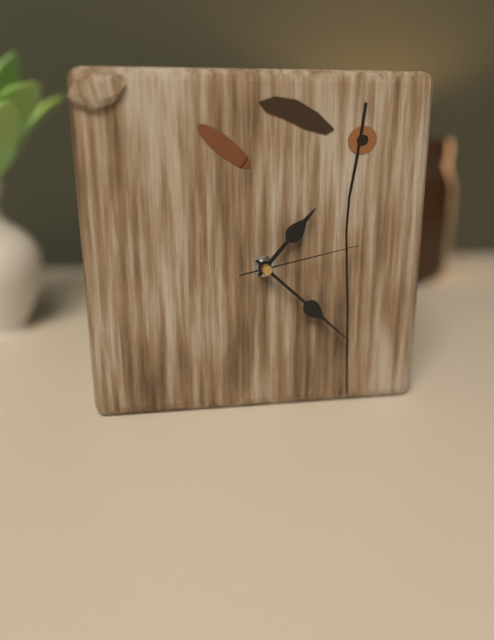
1h22m13s
